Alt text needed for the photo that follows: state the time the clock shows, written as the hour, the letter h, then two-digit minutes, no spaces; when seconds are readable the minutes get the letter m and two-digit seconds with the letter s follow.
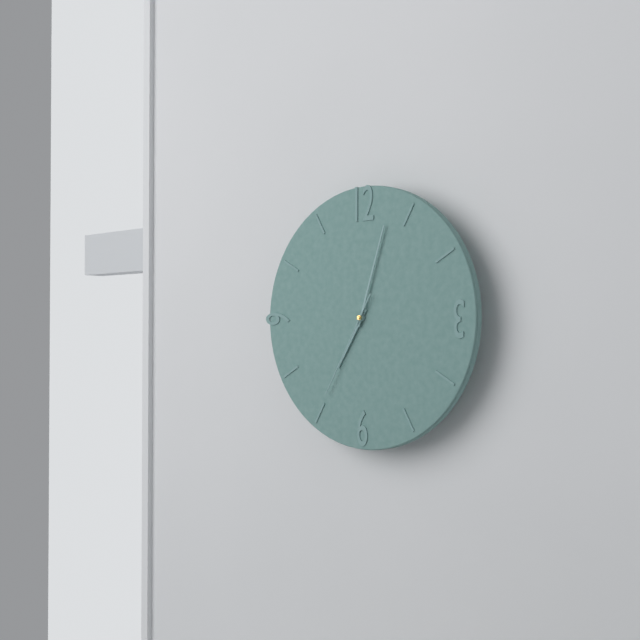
7h03m35s
